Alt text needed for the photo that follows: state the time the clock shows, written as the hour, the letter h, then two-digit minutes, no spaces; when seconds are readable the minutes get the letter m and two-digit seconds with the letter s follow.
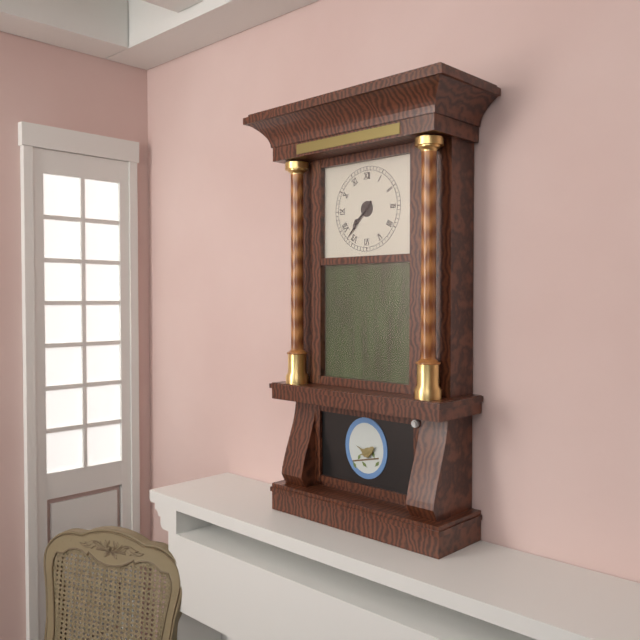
7h37
